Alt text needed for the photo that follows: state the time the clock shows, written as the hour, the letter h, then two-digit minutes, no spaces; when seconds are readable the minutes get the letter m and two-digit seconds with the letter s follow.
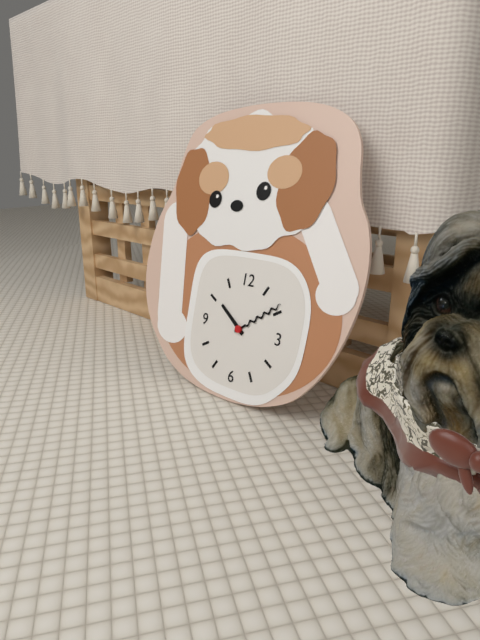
10h09
